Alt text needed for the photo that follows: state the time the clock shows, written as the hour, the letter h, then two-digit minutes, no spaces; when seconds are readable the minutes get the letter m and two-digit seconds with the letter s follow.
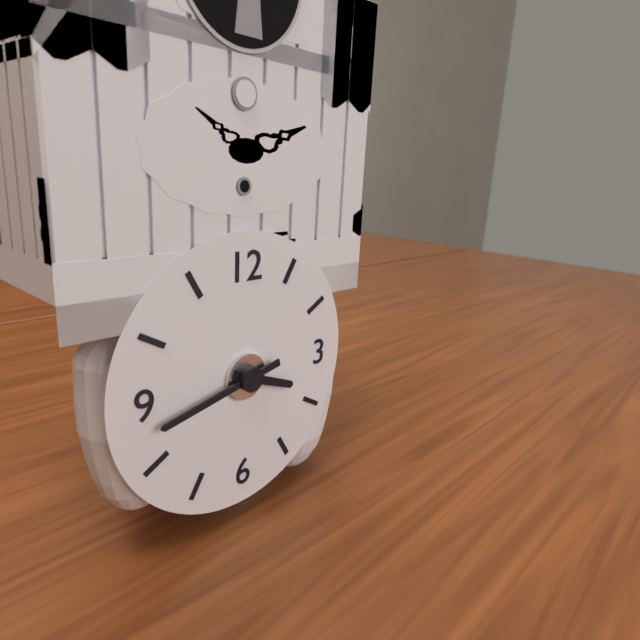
3h43
